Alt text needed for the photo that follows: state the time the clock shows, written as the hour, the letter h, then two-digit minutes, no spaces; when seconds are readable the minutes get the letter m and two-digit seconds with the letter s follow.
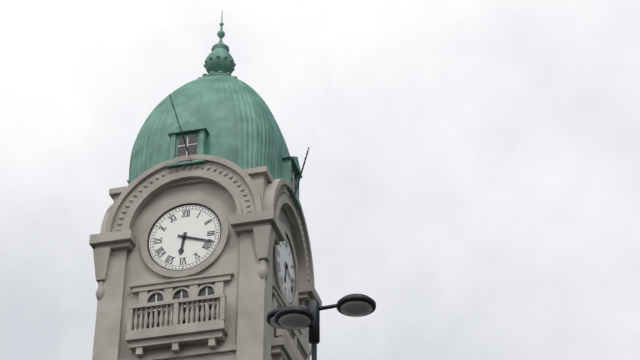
6h18
